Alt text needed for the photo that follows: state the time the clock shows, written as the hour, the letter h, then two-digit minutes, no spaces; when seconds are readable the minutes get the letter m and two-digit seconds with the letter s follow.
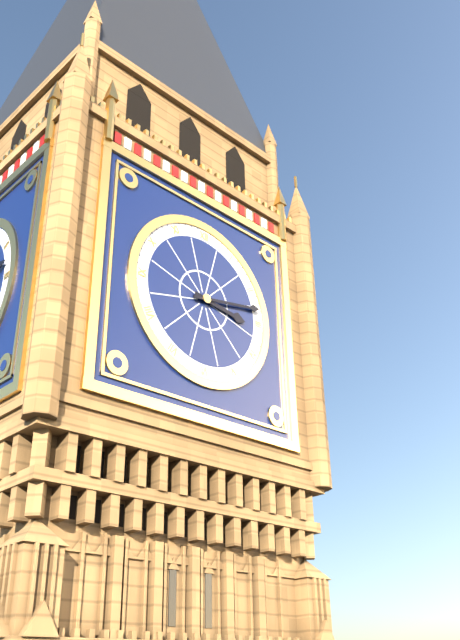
3h13
